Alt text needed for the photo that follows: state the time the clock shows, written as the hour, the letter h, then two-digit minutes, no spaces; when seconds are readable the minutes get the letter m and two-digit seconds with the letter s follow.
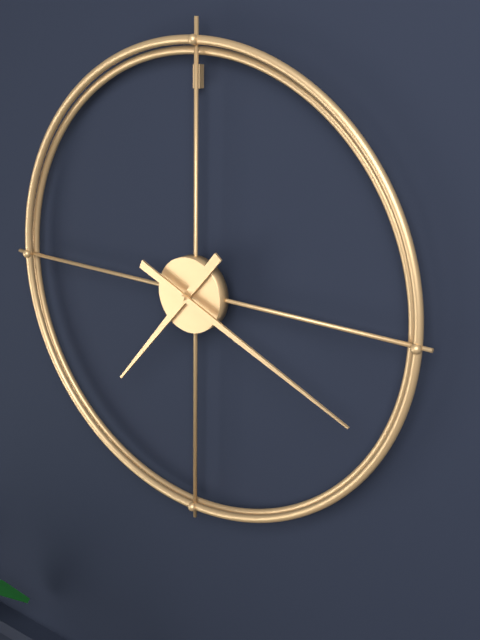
7h19
